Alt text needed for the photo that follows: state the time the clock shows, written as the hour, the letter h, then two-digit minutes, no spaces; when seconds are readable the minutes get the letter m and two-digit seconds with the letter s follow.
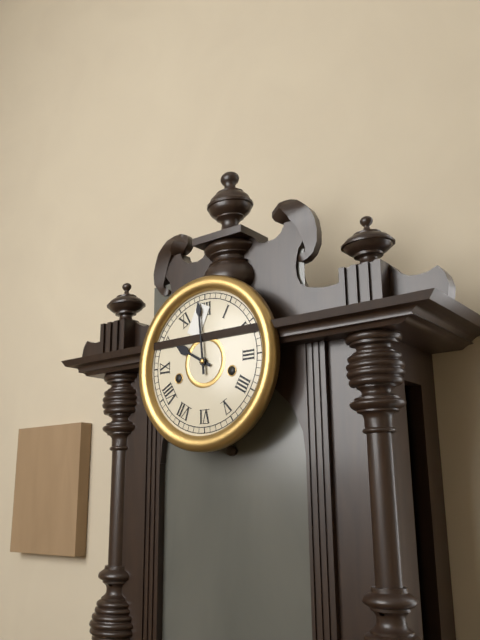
9h59
